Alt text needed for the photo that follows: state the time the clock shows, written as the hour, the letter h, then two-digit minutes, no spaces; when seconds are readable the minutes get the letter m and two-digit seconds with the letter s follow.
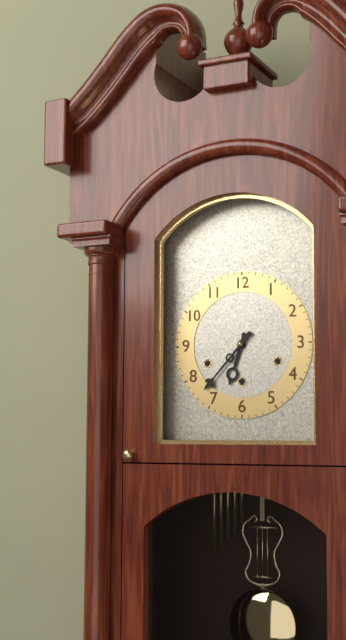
6h37
